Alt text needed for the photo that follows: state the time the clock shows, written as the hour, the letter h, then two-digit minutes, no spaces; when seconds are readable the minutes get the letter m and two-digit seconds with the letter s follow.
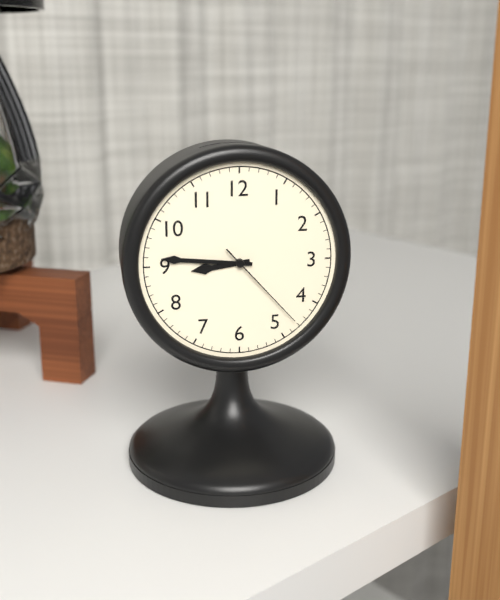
8h46m23s
